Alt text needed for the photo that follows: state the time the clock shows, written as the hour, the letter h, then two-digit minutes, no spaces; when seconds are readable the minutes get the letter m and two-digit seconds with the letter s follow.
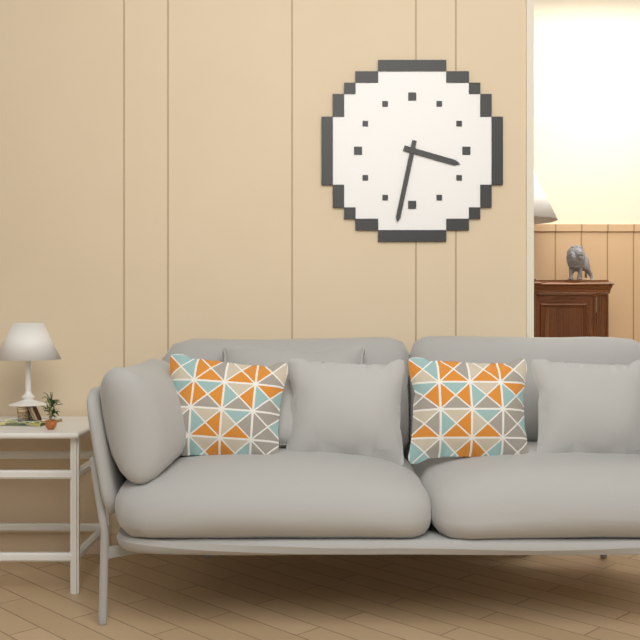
3h32
